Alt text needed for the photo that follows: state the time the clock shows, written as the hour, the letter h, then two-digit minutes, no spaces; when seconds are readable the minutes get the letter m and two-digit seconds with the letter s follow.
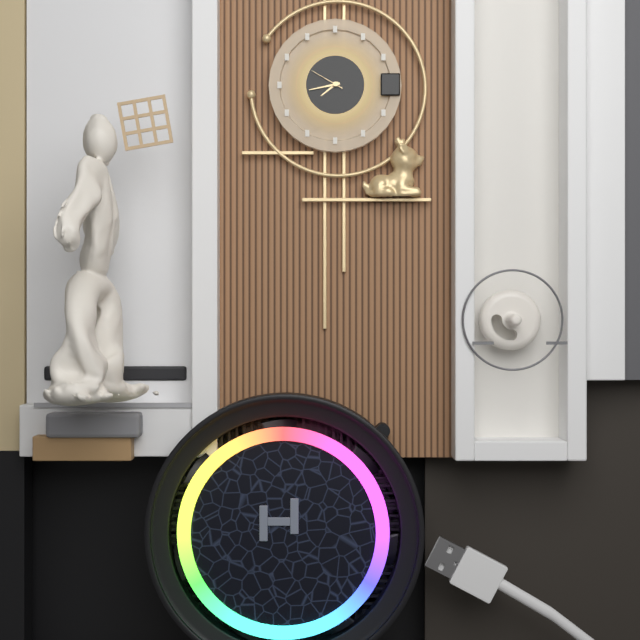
7h43
